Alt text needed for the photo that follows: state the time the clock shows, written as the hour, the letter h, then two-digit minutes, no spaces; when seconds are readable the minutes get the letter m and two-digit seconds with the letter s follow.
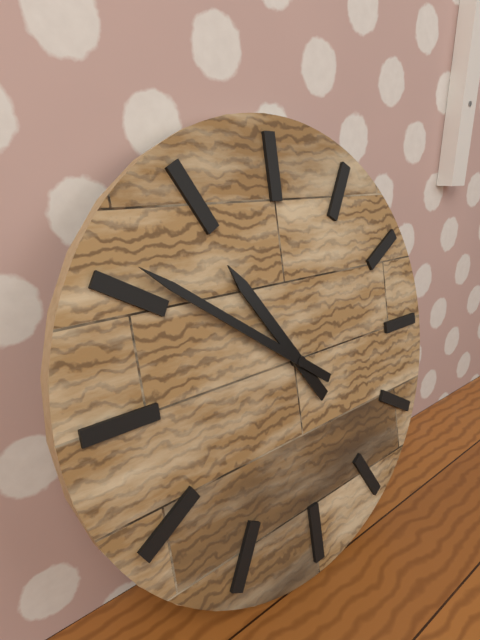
10h51
